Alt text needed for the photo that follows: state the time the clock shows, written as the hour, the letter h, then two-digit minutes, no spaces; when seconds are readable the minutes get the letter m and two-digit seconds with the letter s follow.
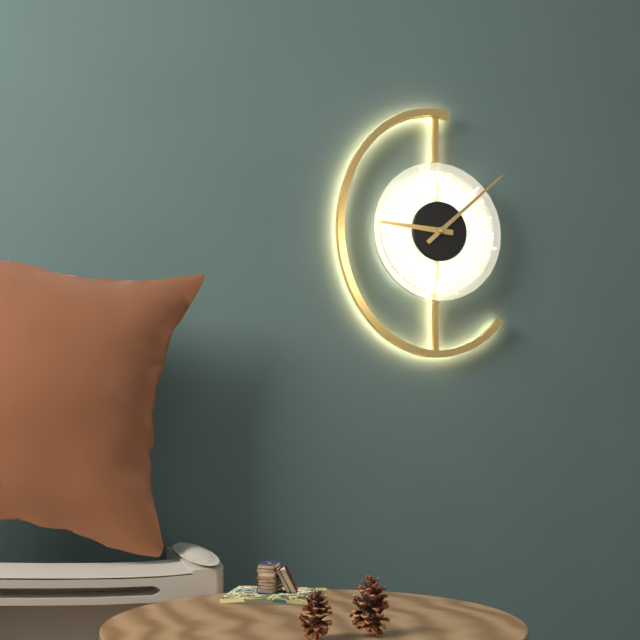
9h08
